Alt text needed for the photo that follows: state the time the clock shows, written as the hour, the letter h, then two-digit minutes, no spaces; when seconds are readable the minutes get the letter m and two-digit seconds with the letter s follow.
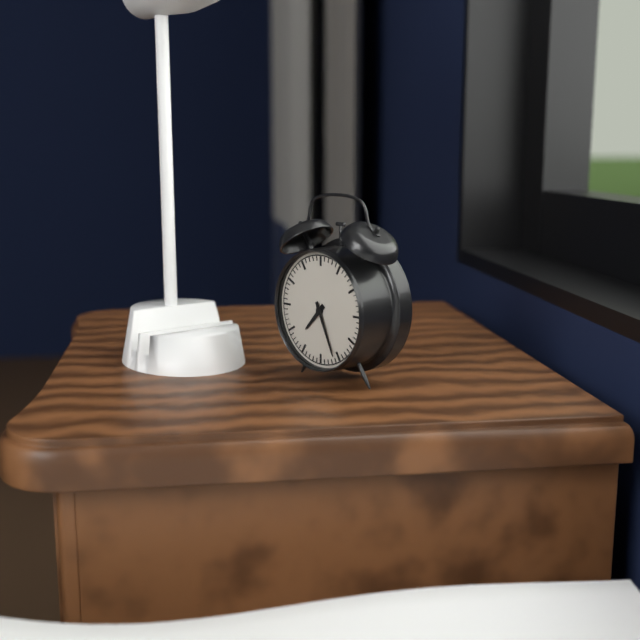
7h26
